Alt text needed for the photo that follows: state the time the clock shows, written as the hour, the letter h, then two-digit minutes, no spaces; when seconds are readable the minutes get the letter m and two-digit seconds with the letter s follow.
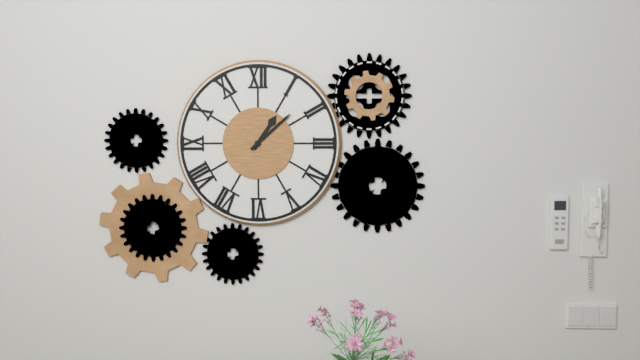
1h08
